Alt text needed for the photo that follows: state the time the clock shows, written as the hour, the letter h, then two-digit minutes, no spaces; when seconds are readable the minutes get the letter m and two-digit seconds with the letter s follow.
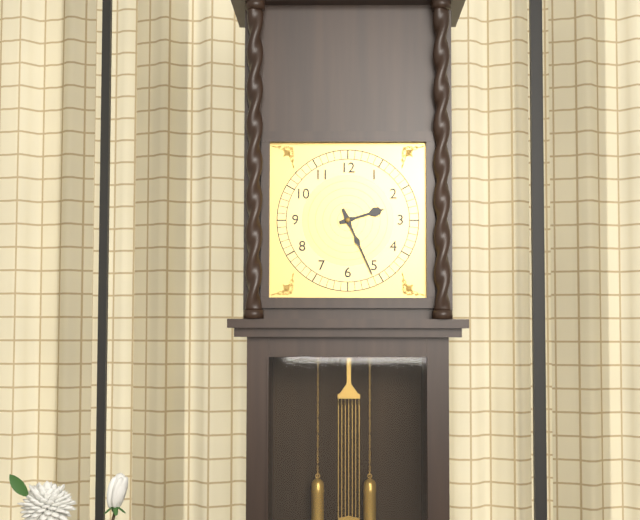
2h26
